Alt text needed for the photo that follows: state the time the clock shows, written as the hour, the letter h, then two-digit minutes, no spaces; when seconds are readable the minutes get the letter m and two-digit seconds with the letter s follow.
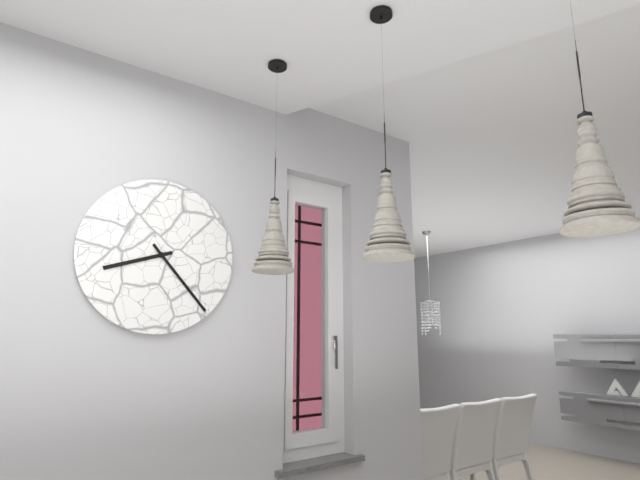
8h23
